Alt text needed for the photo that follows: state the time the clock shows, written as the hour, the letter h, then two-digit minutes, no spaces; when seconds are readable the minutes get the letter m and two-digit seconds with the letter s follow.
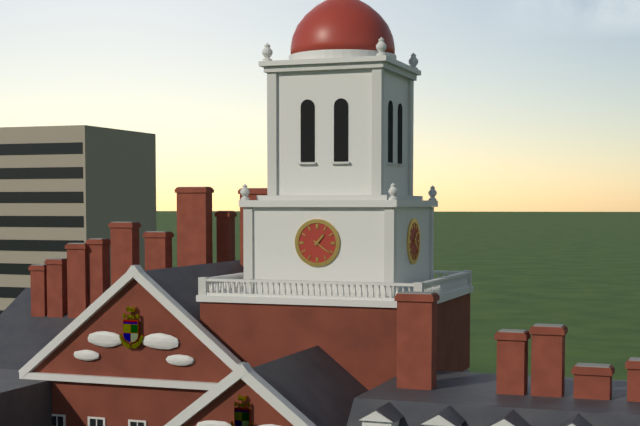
1h21
